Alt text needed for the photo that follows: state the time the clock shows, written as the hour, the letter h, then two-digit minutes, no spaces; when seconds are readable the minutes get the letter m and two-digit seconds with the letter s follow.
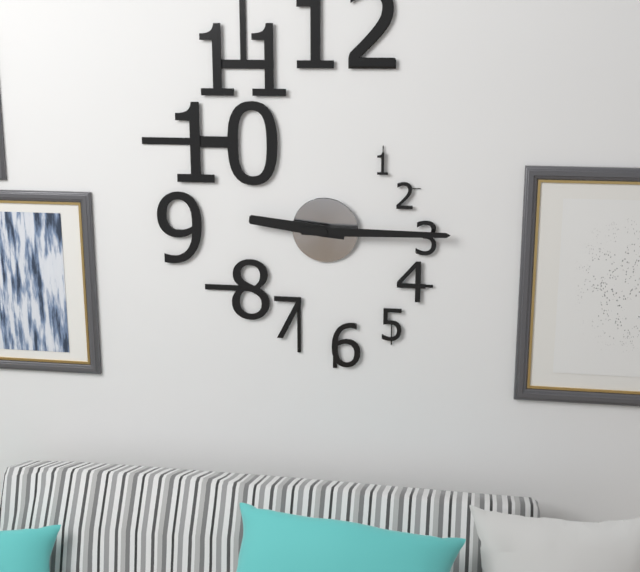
9h15
